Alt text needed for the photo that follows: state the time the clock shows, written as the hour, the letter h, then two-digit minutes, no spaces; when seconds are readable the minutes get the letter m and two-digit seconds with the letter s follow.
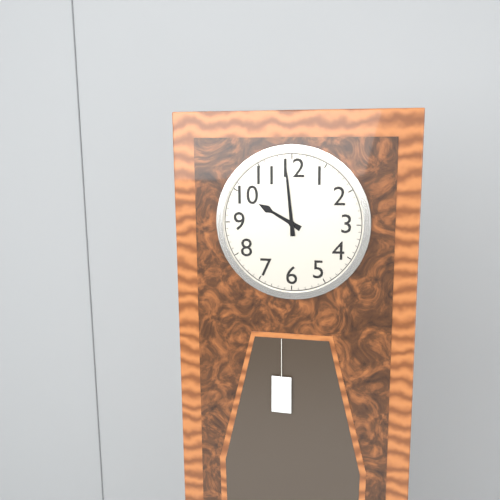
9h59
